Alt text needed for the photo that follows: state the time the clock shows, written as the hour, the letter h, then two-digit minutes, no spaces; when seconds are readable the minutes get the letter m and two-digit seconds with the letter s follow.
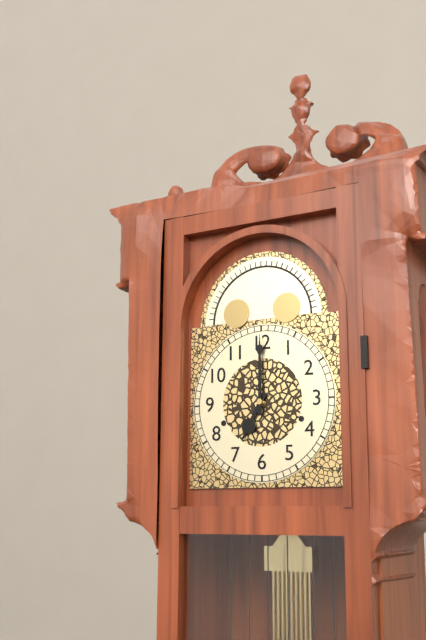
7h00
